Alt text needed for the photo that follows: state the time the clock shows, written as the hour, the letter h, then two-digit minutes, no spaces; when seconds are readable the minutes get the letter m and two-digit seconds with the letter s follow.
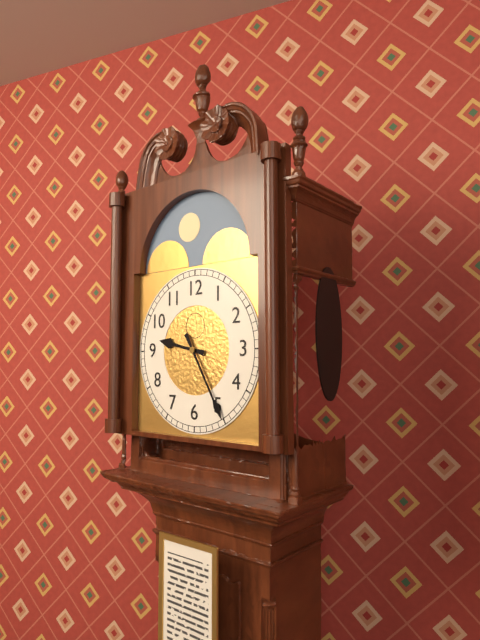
9h25
